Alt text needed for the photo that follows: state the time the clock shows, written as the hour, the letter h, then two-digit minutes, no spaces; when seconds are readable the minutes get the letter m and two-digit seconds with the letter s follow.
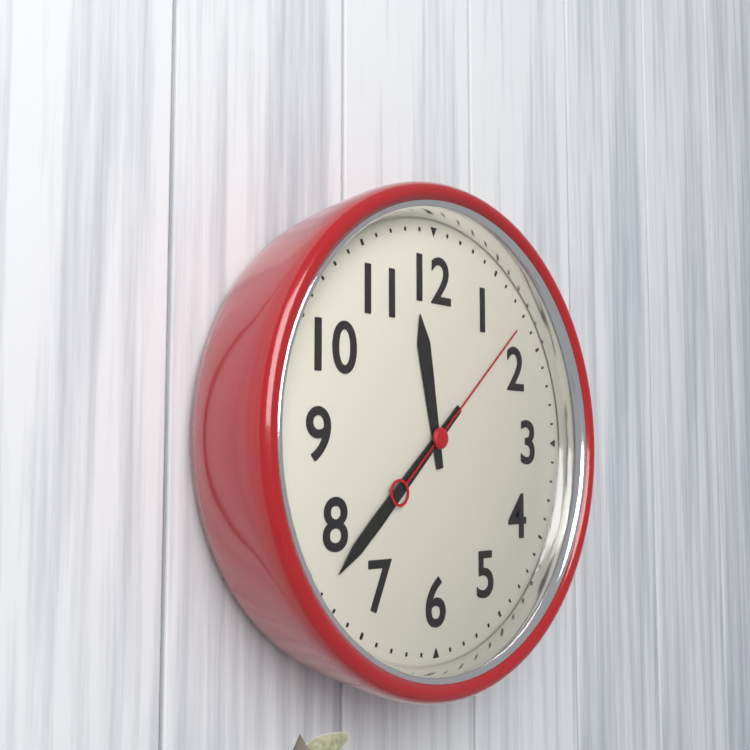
11h38m08s
